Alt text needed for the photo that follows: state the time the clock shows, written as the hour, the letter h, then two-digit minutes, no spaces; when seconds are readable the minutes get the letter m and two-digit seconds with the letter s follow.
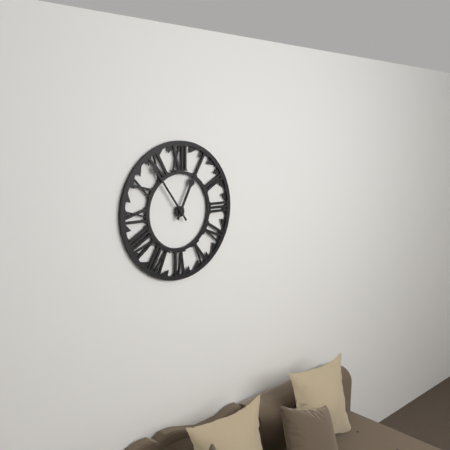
12h54
